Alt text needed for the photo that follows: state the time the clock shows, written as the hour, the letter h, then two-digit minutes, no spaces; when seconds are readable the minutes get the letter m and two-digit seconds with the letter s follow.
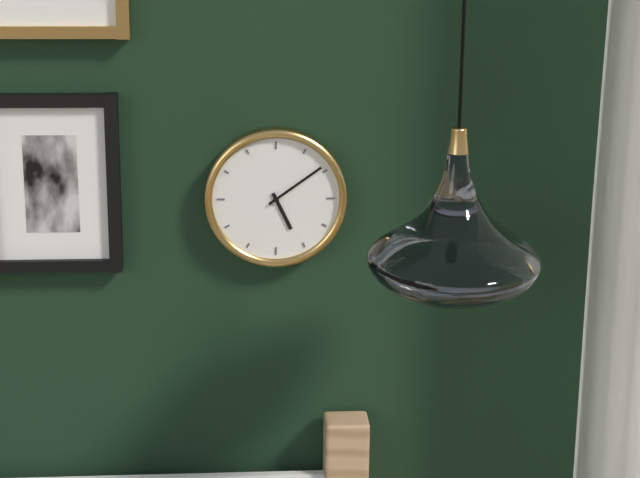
5h09
